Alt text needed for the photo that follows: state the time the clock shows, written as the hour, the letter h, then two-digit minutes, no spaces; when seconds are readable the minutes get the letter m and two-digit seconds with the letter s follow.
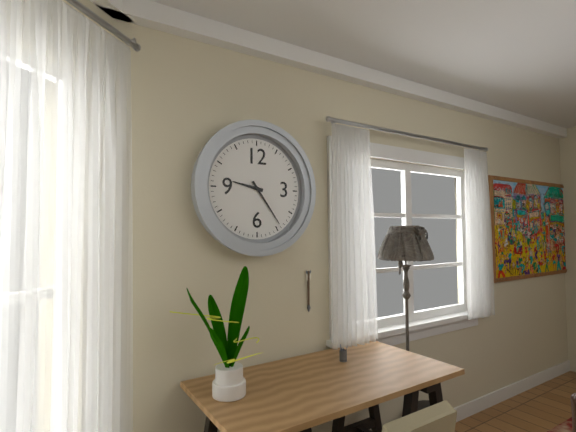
9h24
